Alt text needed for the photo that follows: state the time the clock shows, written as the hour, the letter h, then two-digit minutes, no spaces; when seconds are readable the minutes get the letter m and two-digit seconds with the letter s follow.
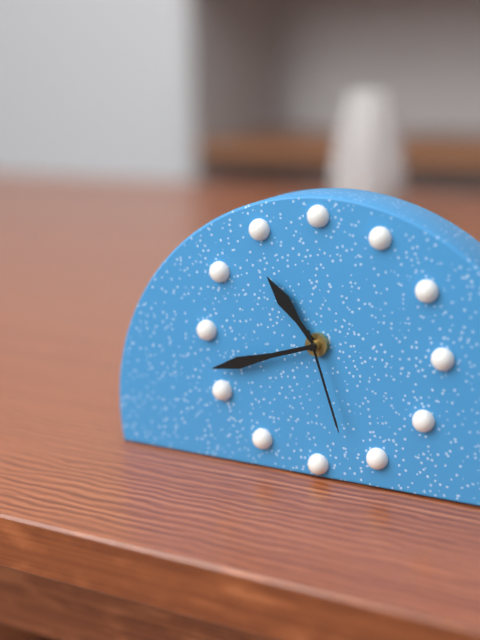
10h42m27s
